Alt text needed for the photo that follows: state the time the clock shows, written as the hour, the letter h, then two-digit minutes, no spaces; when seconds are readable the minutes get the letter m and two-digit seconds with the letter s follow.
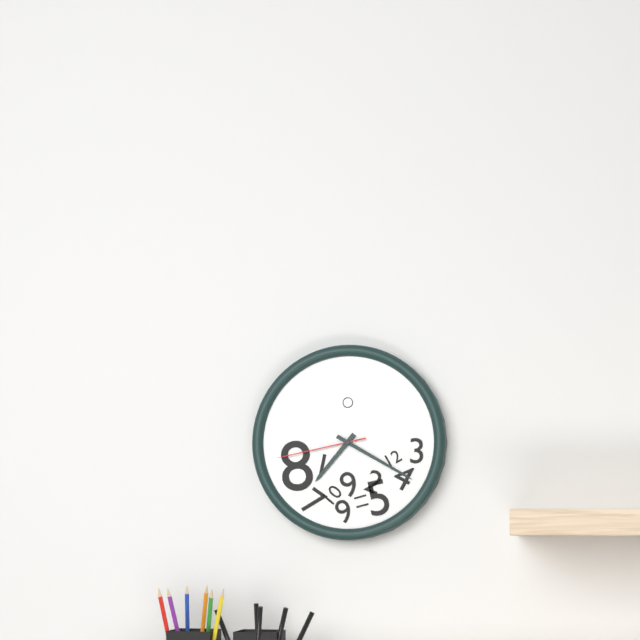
7h20m43s
